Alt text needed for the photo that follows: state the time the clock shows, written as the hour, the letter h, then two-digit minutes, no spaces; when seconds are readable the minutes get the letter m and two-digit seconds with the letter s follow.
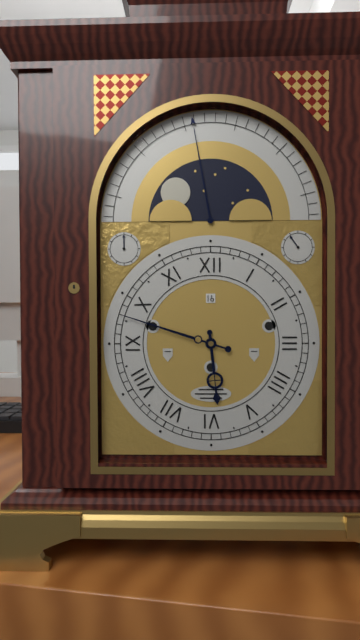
5h48
